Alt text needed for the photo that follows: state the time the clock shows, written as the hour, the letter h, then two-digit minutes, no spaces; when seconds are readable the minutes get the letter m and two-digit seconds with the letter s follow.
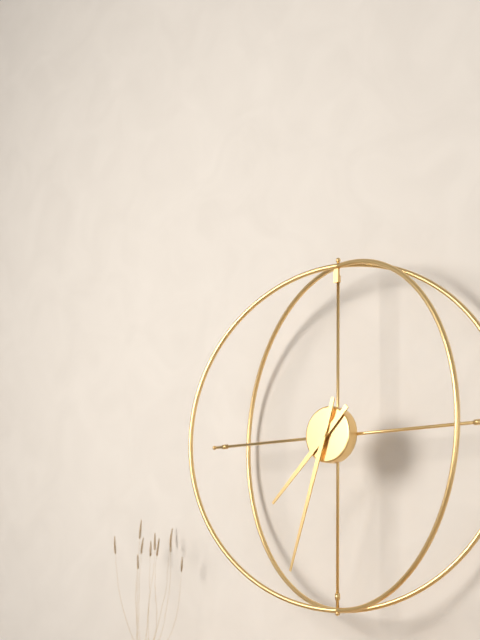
7h33
